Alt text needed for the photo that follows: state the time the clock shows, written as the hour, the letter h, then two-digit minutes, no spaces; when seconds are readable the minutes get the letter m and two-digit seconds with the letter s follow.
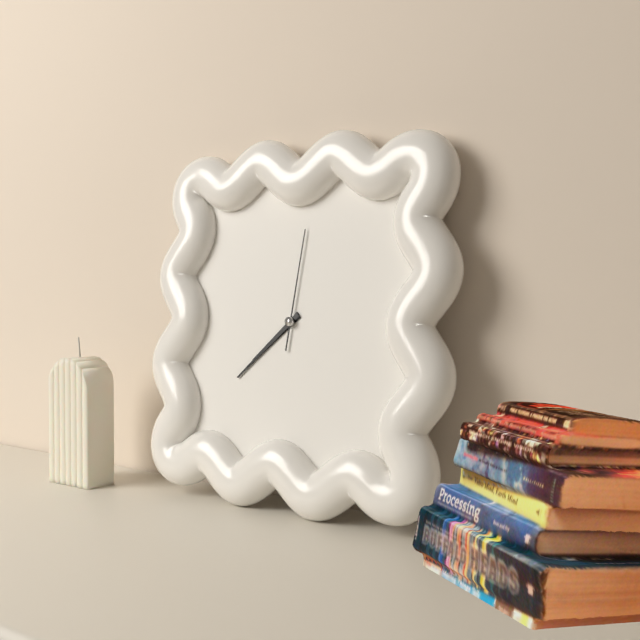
7h38m01s
